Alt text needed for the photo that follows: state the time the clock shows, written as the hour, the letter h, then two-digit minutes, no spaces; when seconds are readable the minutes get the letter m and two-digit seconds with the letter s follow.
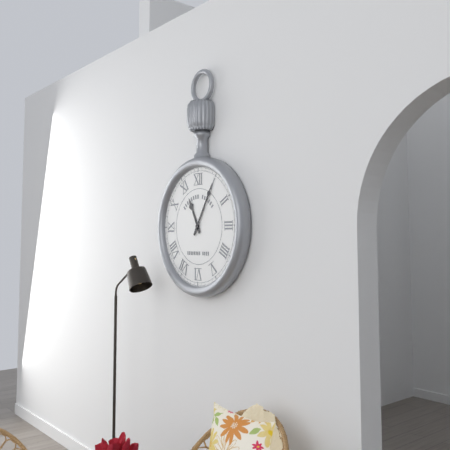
11h05
